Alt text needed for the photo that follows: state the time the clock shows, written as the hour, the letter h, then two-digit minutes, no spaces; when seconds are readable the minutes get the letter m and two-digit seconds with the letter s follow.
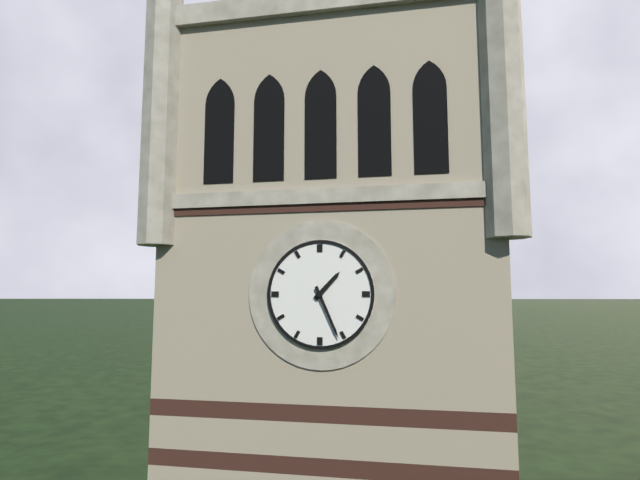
1h26
